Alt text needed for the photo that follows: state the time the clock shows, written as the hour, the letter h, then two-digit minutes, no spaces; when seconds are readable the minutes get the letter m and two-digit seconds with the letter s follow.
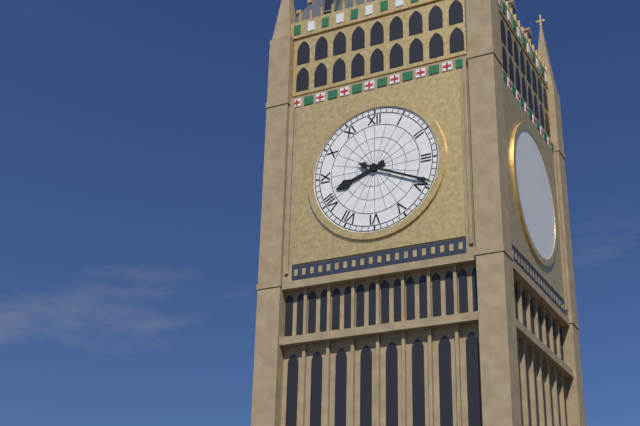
8h19
